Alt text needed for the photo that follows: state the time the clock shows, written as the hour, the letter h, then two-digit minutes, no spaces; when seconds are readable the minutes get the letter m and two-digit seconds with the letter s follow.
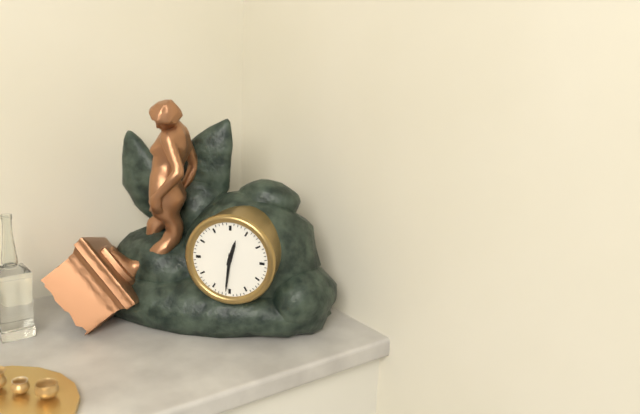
12h31
